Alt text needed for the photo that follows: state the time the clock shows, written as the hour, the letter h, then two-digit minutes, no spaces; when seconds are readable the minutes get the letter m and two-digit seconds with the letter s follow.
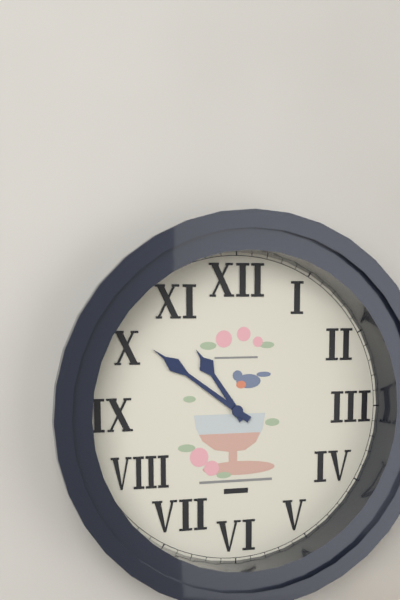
10h51
